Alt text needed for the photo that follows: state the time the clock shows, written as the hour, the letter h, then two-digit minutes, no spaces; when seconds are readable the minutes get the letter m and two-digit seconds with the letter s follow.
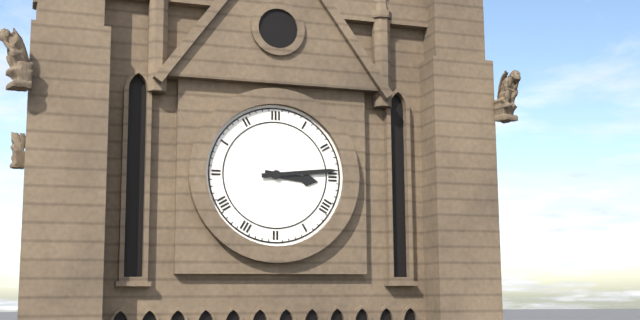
3h14
